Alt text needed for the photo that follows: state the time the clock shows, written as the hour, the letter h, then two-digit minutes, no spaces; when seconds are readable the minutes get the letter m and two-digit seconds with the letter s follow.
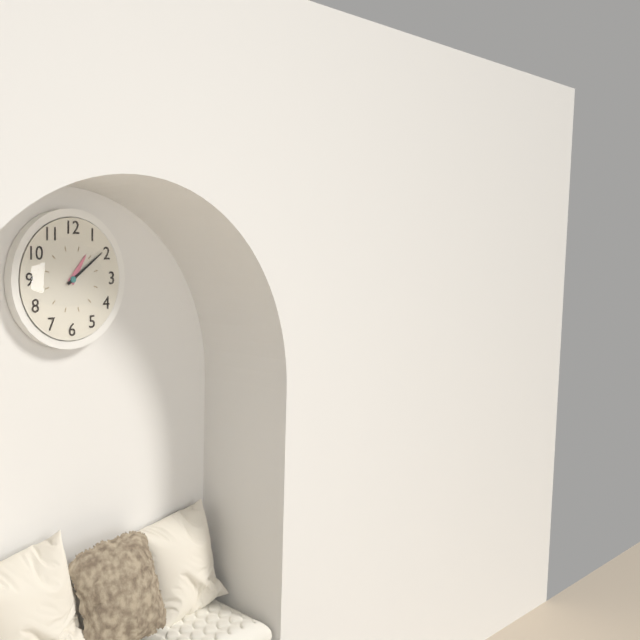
1h09
